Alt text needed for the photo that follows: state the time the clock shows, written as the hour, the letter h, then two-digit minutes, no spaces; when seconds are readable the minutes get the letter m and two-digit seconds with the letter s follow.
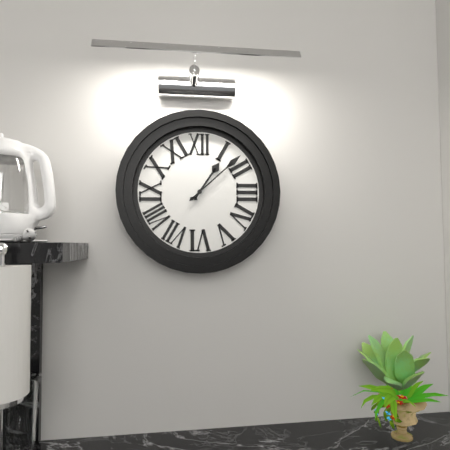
1h08
